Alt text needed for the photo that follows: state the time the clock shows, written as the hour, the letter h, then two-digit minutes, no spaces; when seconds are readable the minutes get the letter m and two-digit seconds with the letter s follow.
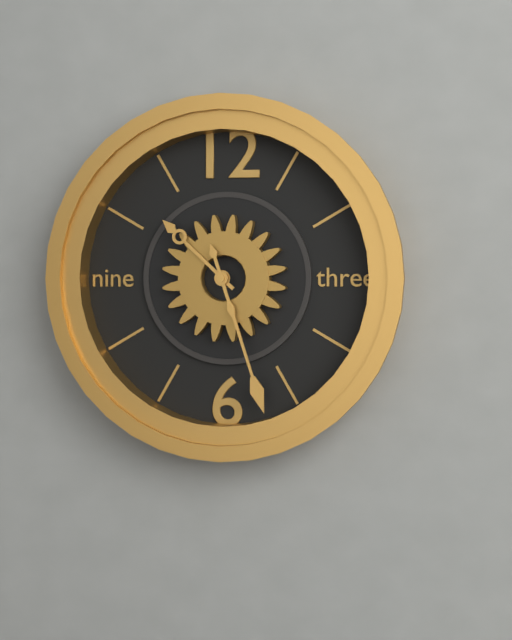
10h27
